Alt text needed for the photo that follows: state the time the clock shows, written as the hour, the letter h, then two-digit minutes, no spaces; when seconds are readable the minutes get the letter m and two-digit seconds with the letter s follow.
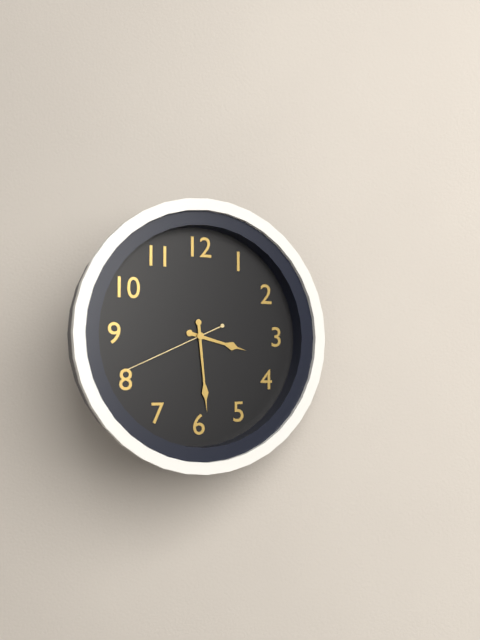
3h29m41s
